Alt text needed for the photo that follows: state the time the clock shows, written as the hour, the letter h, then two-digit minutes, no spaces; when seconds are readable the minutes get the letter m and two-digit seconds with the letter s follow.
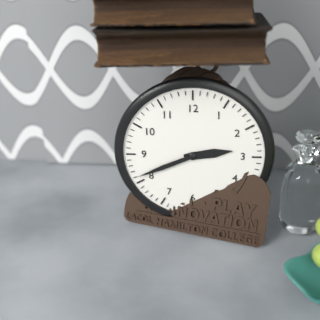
2h41
